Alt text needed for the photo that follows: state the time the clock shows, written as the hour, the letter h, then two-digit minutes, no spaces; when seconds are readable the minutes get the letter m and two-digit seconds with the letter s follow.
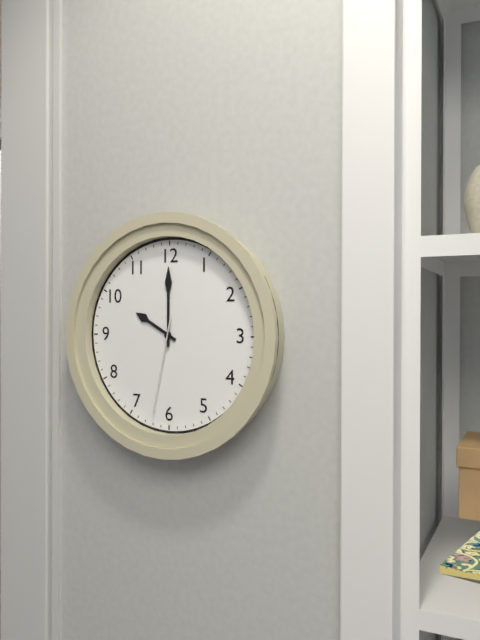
10h00m32s
